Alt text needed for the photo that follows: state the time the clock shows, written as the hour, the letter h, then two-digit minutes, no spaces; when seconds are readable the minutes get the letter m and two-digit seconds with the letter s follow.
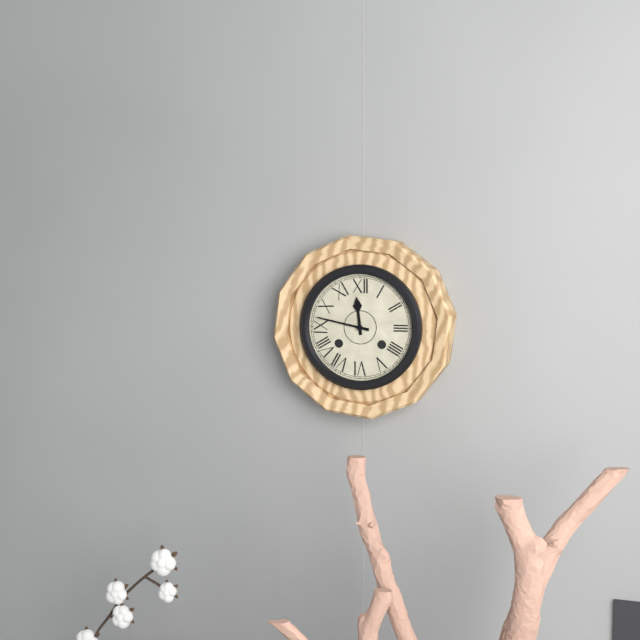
11h47
